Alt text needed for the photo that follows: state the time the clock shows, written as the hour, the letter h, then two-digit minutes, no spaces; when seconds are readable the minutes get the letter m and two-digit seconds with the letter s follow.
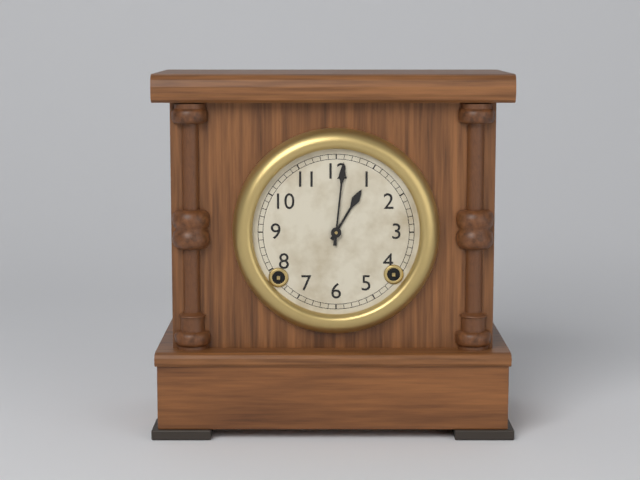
1h01
